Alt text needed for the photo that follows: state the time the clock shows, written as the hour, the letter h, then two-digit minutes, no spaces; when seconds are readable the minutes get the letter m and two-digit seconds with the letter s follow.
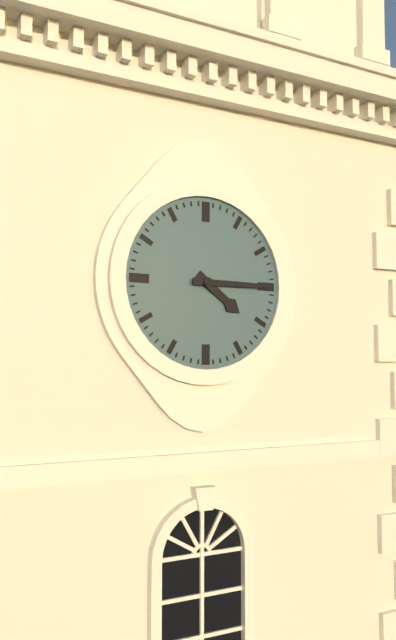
4h15
